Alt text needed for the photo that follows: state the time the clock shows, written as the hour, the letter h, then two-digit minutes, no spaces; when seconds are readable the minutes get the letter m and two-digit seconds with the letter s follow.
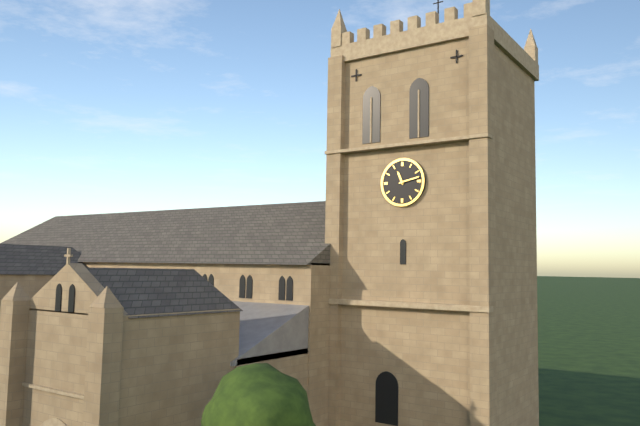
11h13
